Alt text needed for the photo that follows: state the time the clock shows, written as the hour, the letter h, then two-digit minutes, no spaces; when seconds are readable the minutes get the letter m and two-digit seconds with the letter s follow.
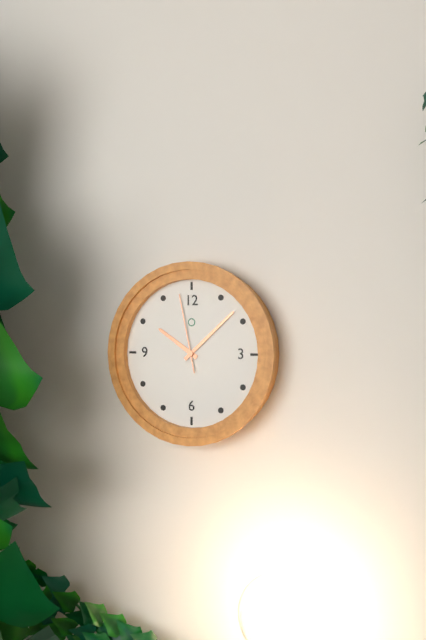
10h08m58s
